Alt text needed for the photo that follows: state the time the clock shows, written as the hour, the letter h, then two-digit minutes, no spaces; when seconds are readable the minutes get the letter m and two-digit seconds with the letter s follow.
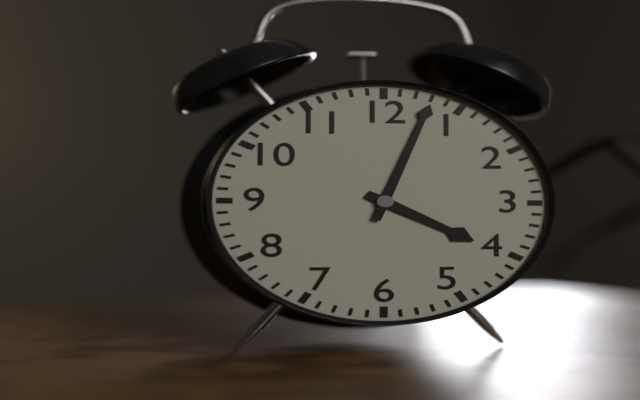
4h03
